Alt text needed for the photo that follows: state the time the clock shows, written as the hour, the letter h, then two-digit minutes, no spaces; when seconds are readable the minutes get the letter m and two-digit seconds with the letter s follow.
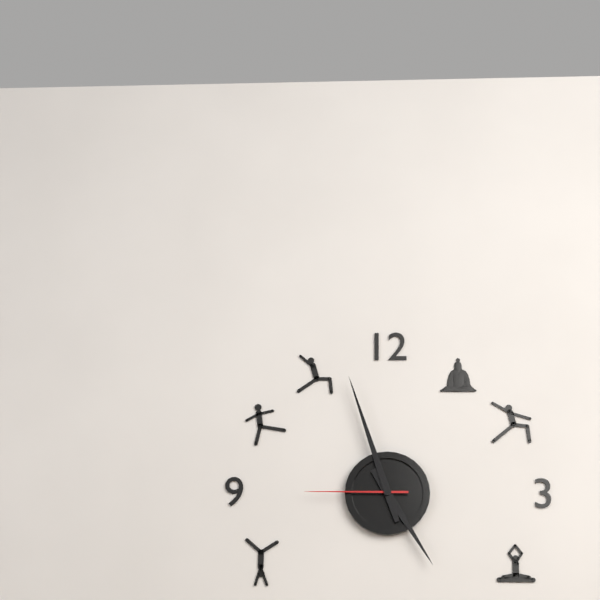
4h57m45s
